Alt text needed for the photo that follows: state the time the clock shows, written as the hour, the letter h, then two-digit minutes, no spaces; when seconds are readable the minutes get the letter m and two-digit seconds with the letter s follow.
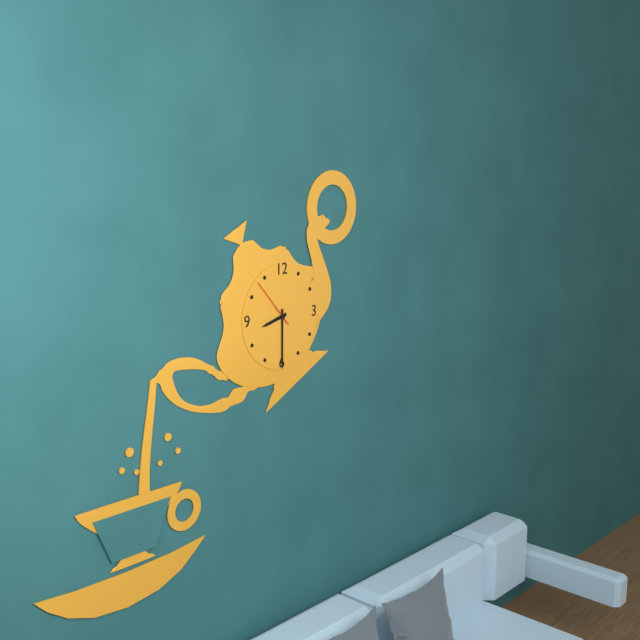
8h30m53s
